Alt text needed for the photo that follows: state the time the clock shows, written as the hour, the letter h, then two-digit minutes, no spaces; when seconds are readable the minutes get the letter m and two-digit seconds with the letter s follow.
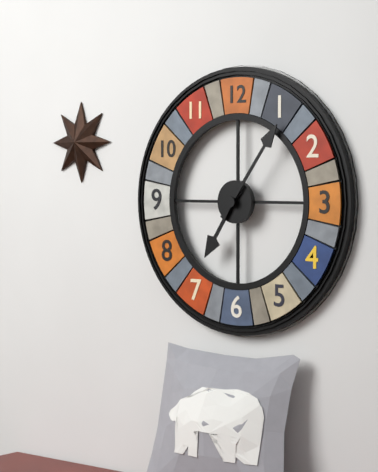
7h06
